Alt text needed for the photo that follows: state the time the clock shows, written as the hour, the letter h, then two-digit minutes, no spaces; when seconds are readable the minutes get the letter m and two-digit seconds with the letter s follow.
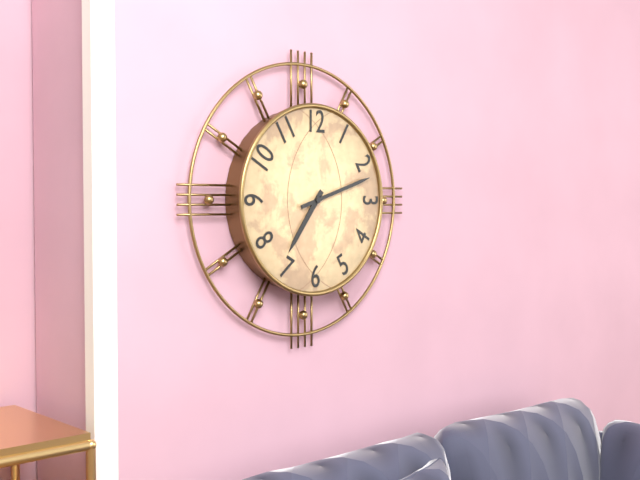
7h12
